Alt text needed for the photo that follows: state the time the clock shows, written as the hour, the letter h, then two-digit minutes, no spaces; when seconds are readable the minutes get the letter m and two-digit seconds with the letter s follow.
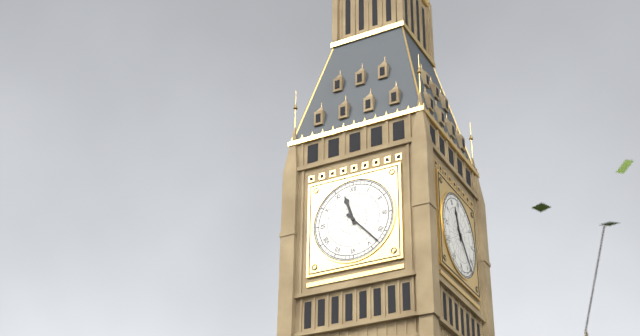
11h23
